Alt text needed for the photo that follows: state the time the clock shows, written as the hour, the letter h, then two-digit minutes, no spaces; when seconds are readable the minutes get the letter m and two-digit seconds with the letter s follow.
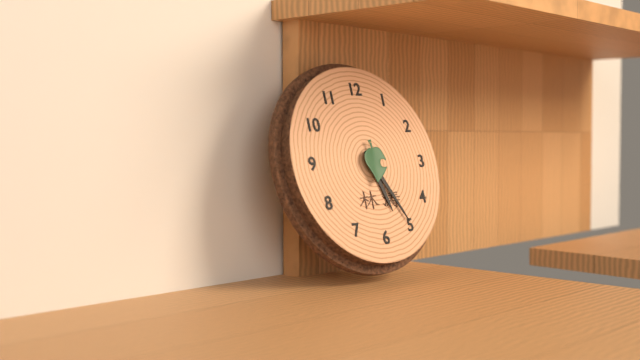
5h25
